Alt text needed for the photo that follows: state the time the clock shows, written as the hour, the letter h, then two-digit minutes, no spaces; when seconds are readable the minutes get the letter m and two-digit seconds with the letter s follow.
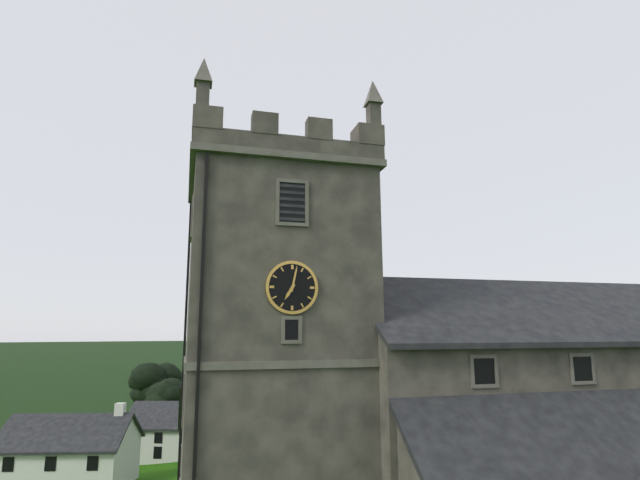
7h02
